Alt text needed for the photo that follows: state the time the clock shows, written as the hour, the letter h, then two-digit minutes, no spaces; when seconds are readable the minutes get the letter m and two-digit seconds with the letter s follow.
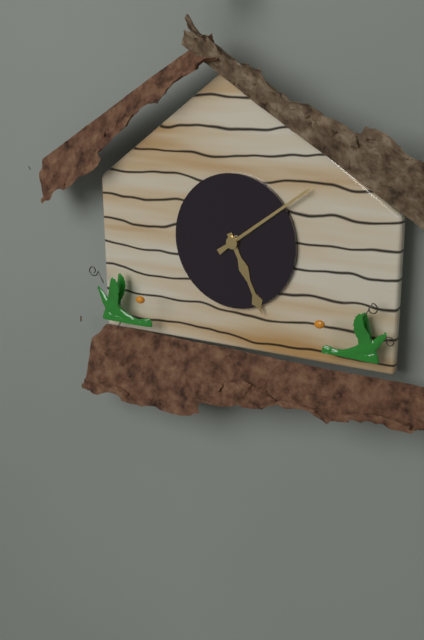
5h09
